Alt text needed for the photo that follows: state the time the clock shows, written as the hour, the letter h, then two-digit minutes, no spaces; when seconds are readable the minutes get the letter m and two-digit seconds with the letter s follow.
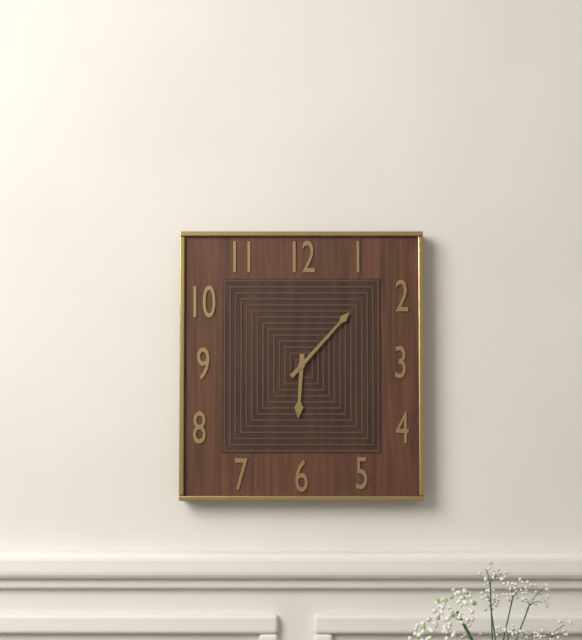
6h07
